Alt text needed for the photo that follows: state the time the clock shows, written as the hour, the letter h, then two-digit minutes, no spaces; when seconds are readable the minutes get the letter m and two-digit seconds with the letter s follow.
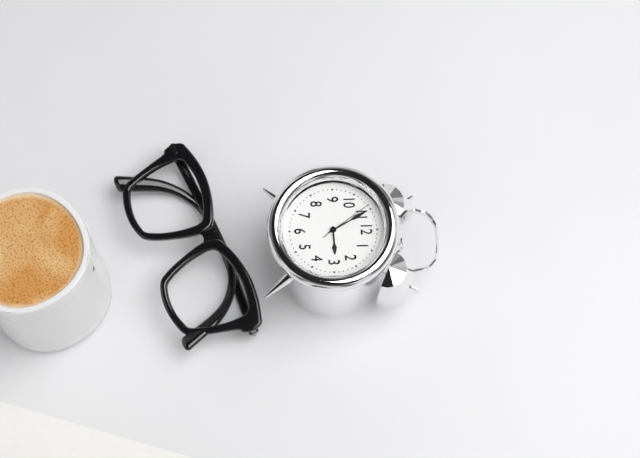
2h55m54s
